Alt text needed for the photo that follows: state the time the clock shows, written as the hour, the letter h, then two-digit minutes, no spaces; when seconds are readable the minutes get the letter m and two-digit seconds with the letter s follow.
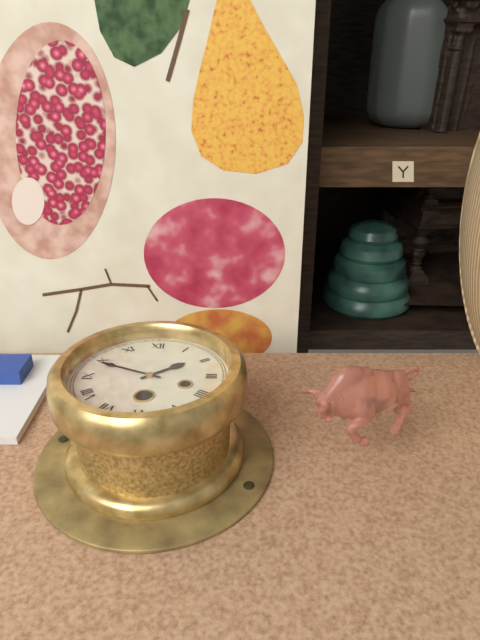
1h49
